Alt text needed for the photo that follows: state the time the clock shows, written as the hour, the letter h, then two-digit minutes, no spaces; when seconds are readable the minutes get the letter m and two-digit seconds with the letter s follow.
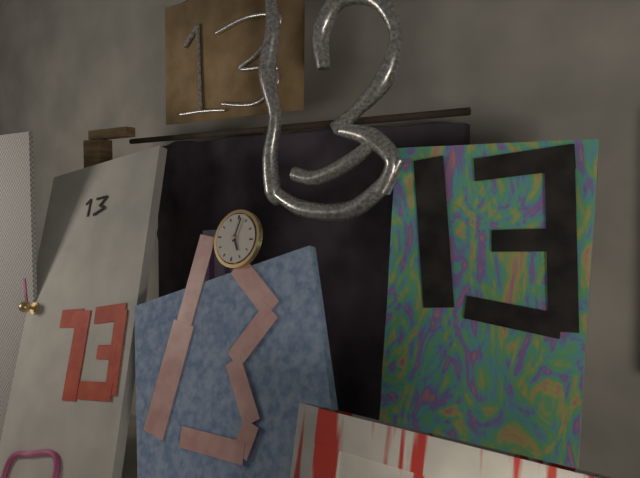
5h02
